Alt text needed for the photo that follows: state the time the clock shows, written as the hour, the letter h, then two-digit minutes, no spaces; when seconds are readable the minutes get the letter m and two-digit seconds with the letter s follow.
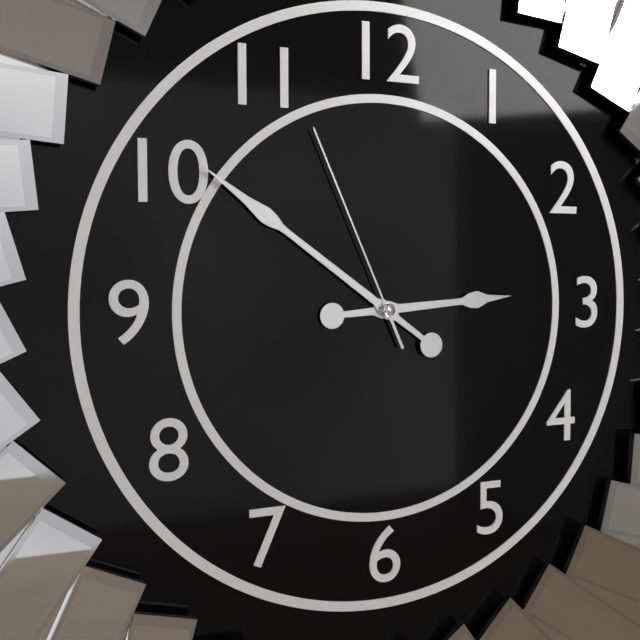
2h51m56s
